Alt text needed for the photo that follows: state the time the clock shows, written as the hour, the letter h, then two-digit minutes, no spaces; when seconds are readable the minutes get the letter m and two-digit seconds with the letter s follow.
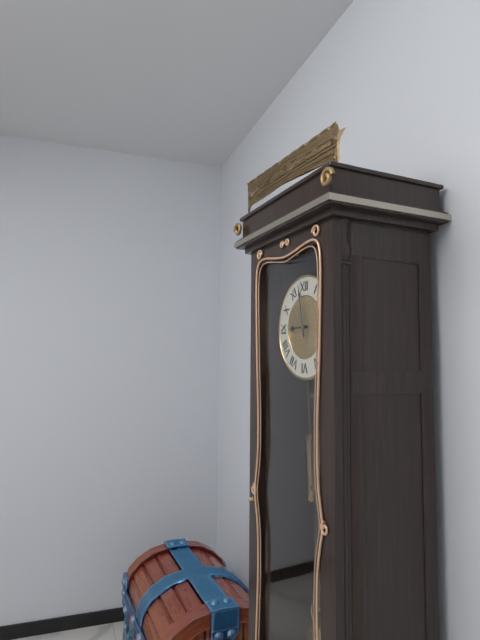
8h58
